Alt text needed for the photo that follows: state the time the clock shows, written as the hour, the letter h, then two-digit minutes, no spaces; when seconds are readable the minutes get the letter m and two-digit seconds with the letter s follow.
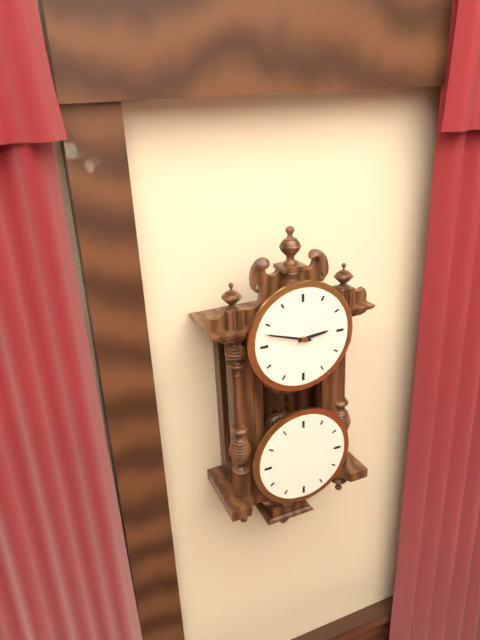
2h48
